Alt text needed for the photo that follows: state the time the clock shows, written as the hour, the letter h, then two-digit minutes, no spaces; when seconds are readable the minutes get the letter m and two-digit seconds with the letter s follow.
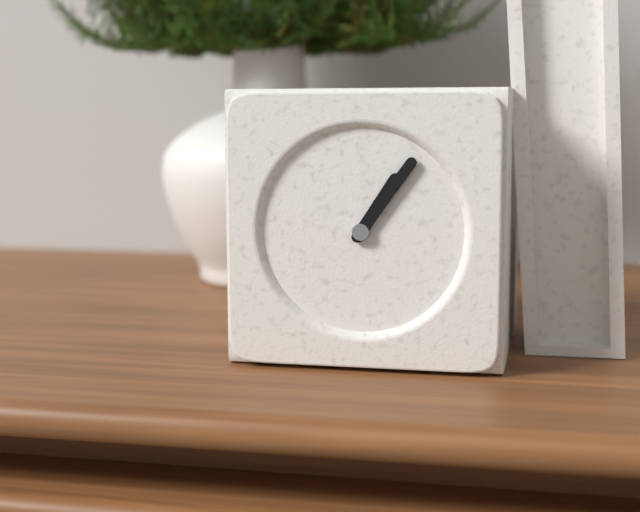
1h06
